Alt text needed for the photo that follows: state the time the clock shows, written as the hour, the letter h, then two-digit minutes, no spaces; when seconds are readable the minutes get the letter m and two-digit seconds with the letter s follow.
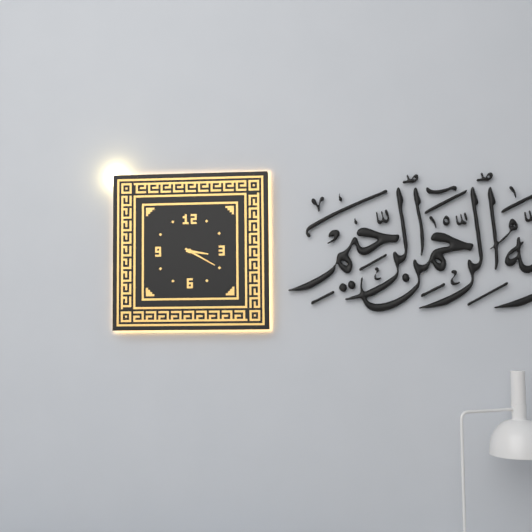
3h20
